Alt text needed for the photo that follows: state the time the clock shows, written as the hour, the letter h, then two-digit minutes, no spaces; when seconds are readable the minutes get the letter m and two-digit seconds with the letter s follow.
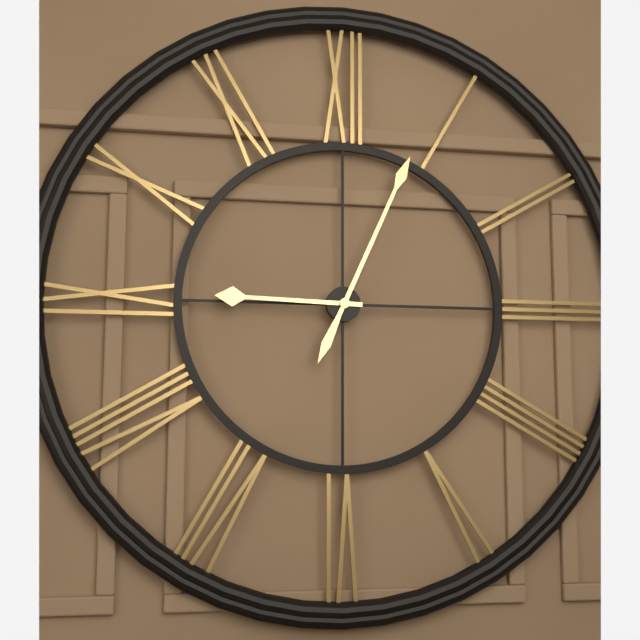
9h04
